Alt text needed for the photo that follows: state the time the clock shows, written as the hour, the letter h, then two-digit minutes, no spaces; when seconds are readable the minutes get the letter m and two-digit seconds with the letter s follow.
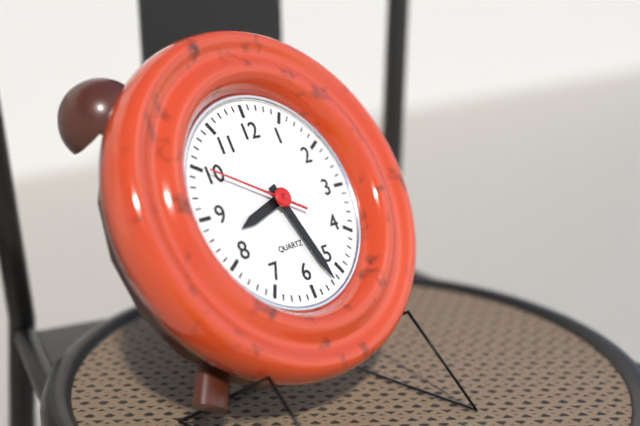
8h27m50s
